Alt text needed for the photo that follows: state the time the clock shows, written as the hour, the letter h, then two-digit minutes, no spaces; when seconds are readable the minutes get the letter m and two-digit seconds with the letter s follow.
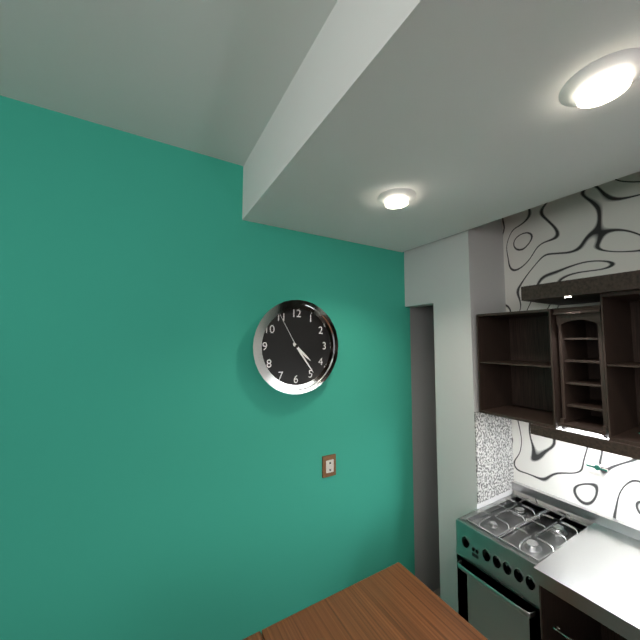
4h24
